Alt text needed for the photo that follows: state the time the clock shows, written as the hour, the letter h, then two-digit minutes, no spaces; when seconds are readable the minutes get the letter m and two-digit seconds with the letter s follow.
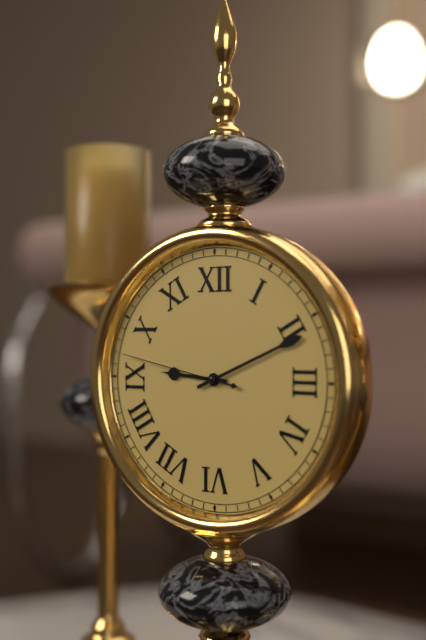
9h11m47s
